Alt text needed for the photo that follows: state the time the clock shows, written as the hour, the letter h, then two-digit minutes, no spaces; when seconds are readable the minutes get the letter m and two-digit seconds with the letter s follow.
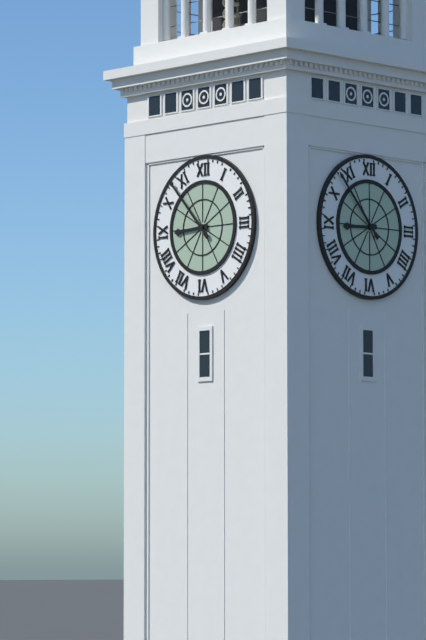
8h53
